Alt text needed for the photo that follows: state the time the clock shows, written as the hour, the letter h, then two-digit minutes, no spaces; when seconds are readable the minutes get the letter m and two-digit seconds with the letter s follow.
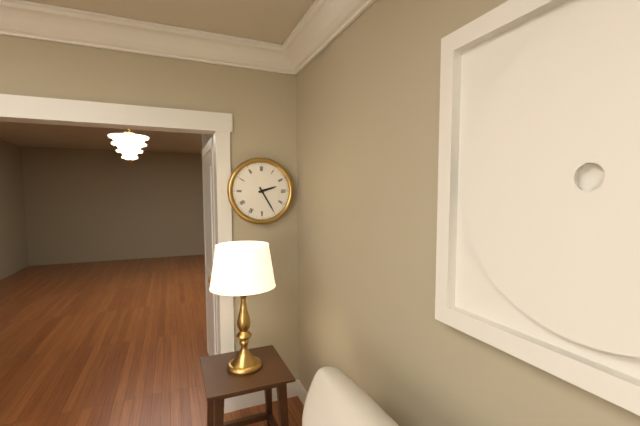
2h25
